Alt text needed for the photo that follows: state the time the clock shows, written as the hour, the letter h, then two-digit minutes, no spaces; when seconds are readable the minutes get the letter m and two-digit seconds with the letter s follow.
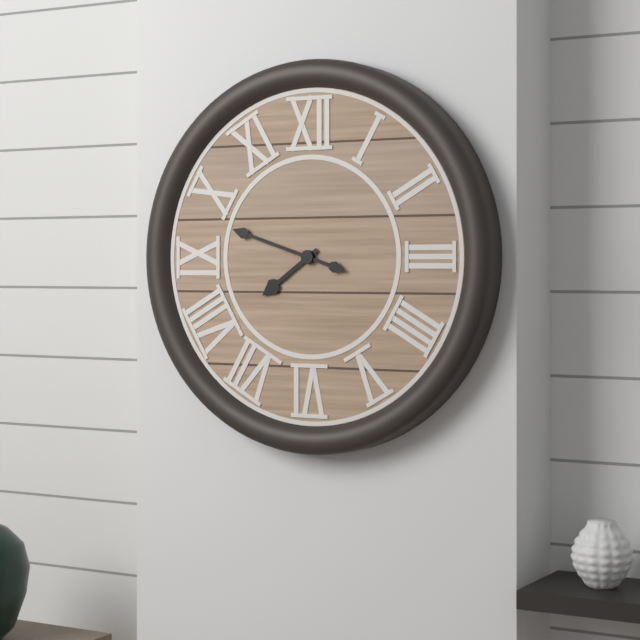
7h48
